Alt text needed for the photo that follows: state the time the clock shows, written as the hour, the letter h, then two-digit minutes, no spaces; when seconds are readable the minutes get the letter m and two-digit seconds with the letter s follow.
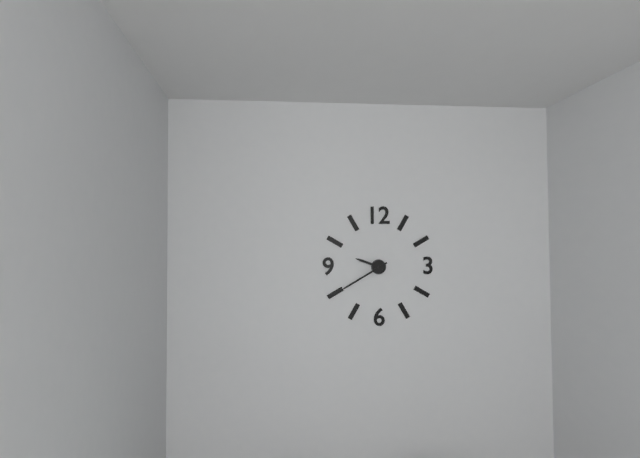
9h40
